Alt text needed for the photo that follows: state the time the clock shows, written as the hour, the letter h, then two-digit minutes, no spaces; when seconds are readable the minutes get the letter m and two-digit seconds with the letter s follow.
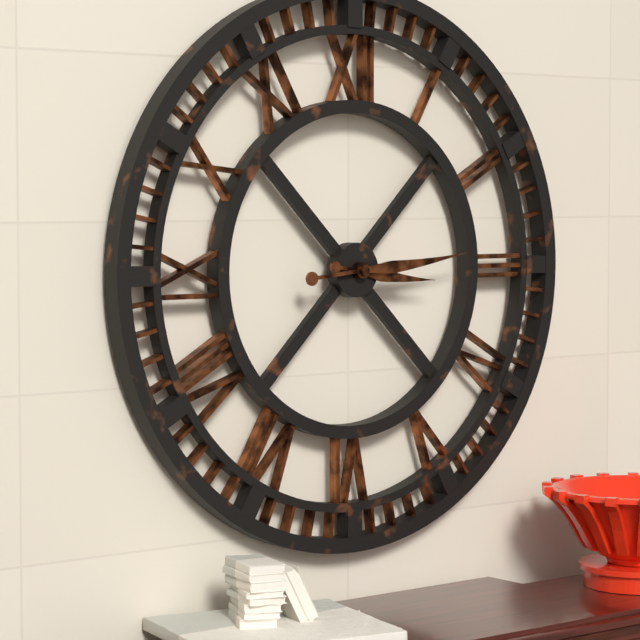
3h14
